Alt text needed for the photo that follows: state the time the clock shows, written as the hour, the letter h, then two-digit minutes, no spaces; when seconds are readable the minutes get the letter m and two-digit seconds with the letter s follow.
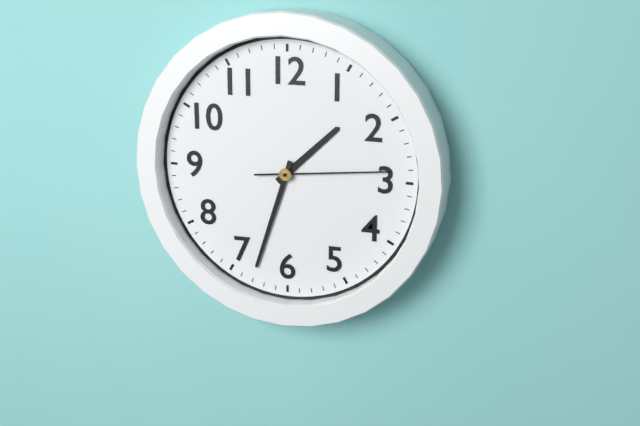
1h33m14s
